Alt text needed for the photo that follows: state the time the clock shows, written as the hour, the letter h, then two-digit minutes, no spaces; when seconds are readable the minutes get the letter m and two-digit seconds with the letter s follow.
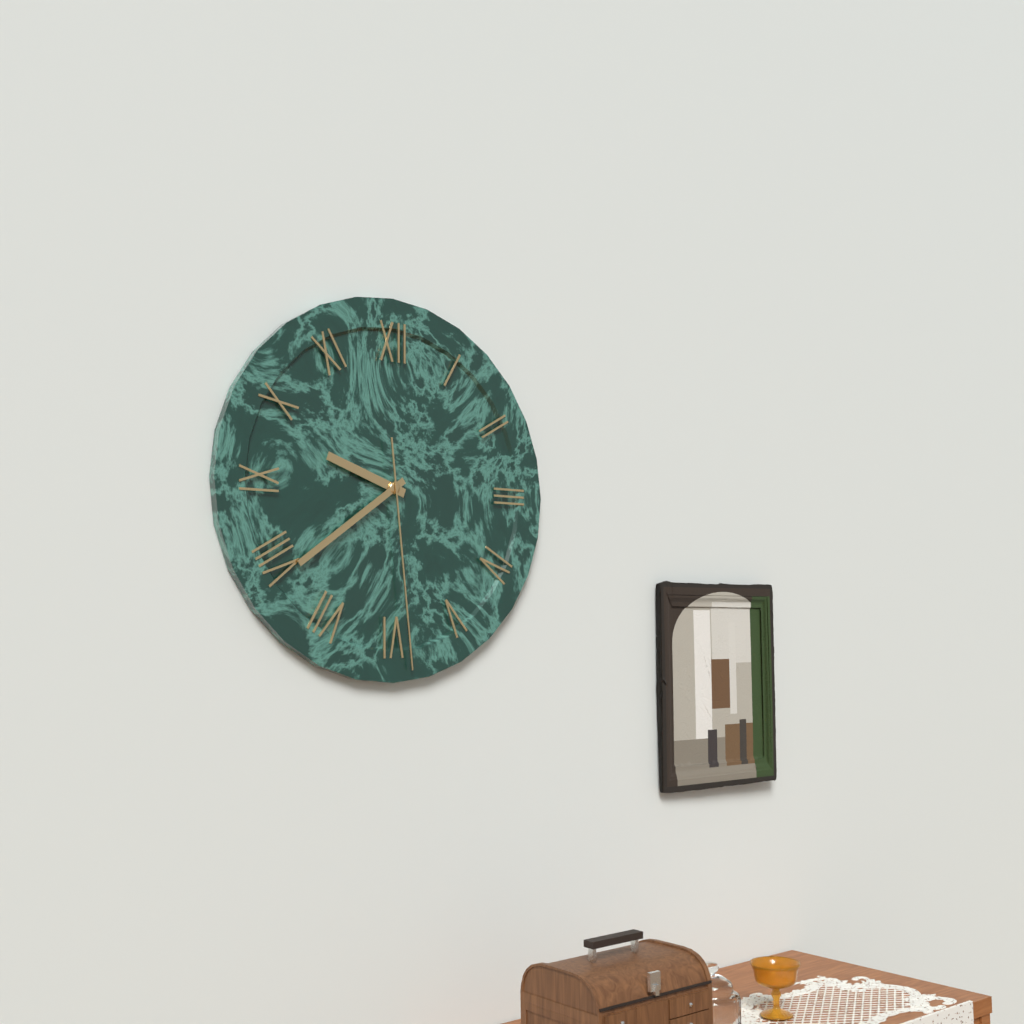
9h39m29s
